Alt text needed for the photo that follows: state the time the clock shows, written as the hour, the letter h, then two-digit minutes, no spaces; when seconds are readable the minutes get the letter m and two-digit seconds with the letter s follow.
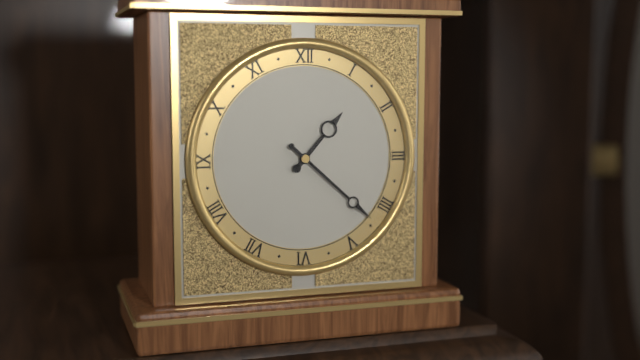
1h22
